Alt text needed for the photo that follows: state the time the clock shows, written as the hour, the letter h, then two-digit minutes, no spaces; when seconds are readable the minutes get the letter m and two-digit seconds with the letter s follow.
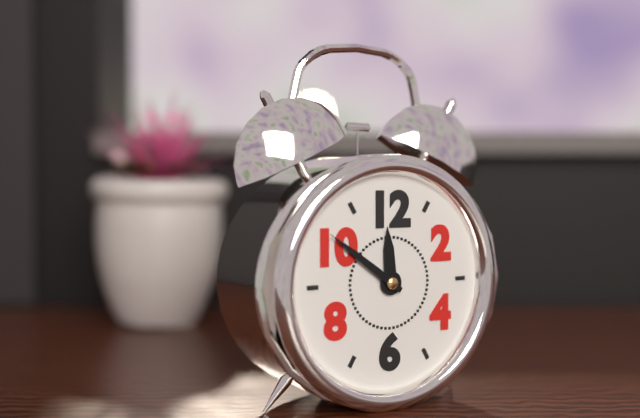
11h51
